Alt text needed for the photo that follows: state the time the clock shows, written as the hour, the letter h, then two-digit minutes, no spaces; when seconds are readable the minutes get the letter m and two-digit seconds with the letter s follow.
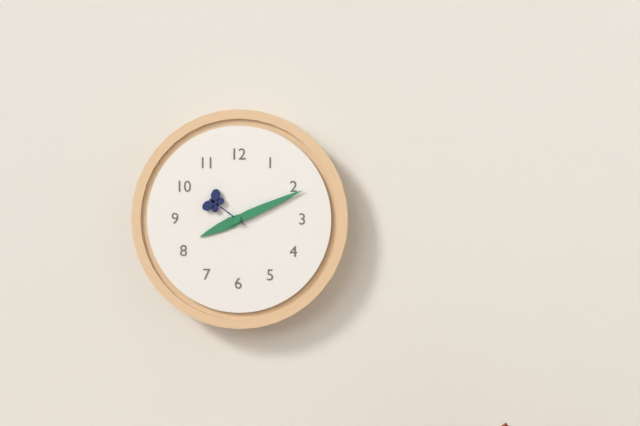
8h11
